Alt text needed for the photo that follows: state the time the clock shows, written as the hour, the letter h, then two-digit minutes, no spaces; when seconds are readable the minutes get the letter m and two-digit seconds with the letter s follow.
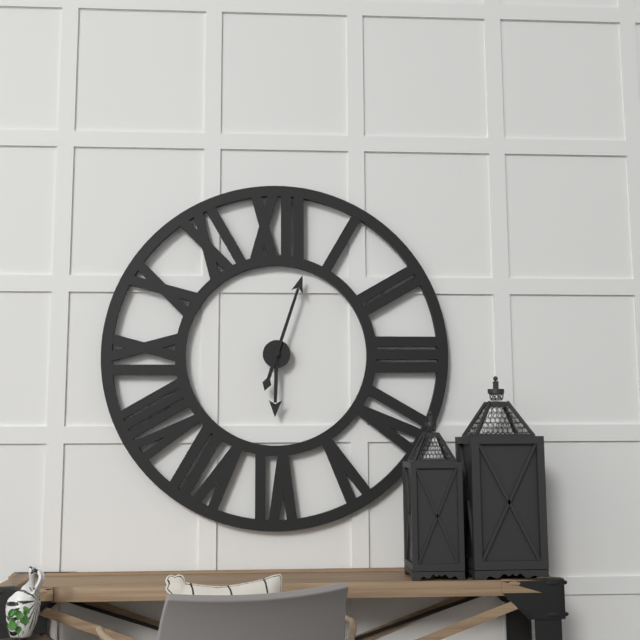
6h03
